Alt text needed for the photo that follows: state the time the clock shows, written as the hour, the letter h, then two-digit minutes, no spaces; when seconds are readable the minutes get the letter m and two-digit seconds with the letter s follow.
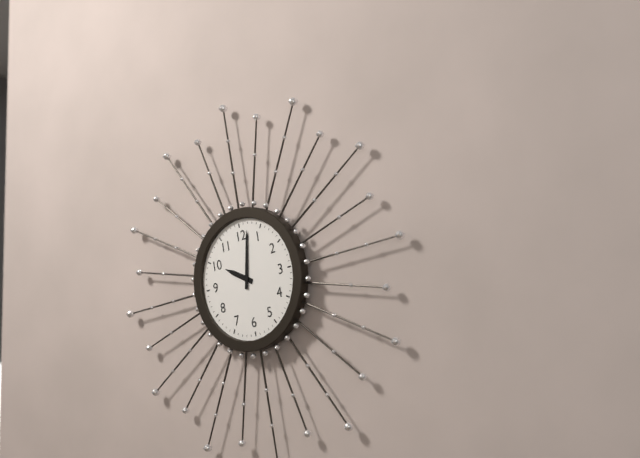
10h02
